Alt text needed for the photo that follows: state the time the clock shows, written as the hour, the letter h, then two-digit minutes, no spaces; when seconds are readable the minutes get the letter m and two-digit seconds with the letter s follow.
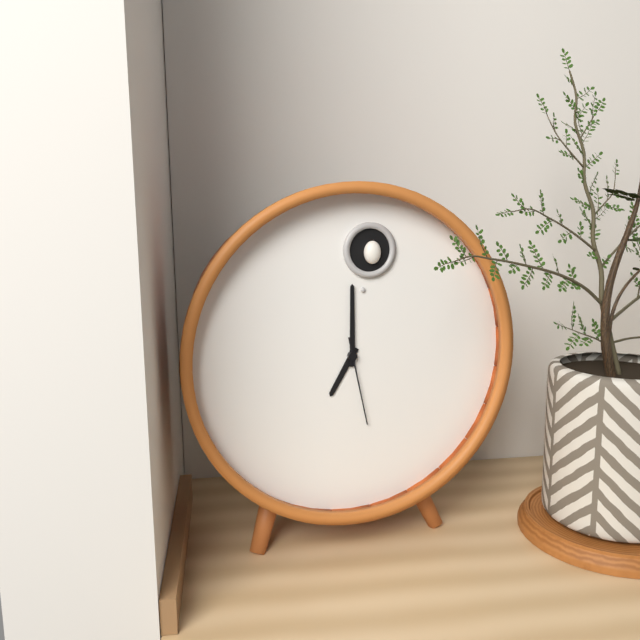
7h00m28s
